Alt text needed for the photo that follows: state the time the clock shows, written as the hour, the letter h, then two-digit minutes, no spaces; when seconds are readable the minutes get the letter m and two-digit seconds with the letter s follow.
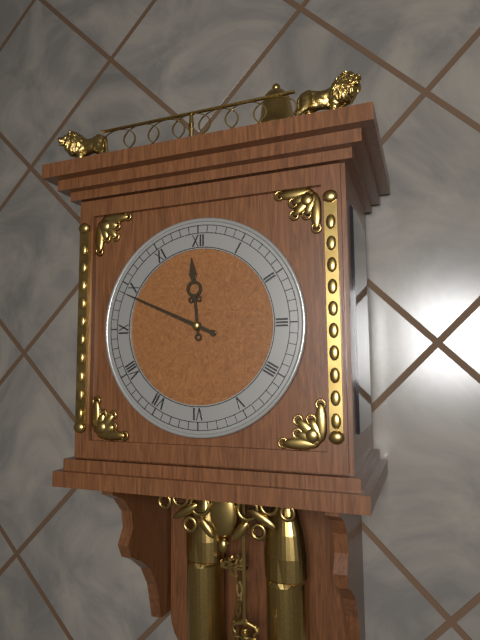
11h49
